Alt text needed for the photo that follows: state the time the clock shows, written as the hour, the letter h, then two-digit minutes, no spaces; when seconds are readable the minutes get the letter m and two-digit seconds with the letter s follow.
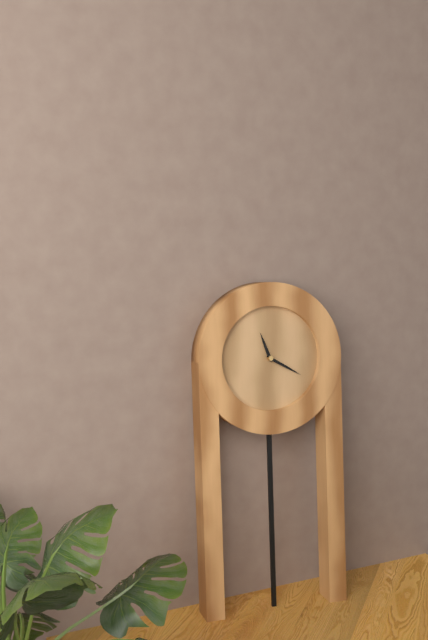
11h20
